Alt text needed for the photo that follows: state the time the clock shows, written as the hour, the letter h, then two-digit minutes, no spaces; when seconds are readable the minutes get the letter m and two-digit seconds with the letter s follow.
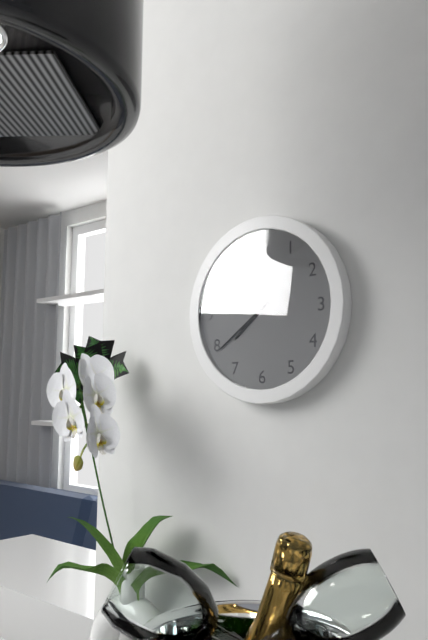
7h39
